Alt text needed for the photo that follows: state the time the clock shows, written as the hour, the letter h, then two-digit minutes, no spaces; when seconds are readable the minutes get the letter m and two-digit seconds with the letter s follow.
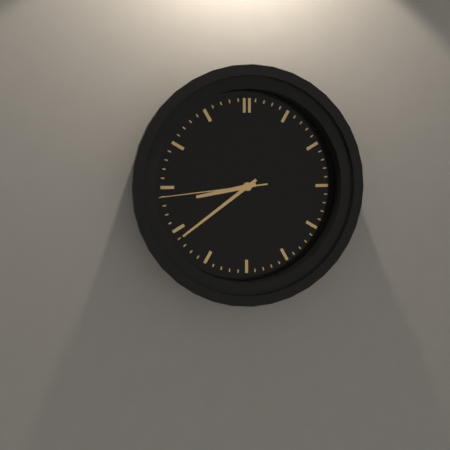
8h39m44s
